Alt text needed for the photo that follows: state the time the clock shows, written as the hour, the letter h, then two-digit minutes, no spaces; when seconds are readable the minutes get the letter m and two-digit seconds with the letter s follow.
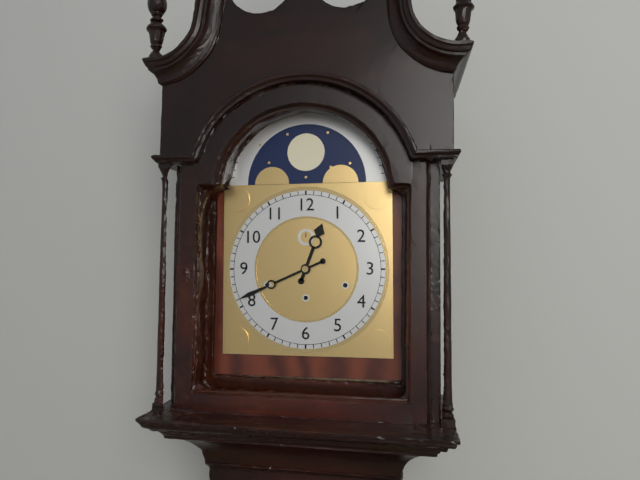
12h41
